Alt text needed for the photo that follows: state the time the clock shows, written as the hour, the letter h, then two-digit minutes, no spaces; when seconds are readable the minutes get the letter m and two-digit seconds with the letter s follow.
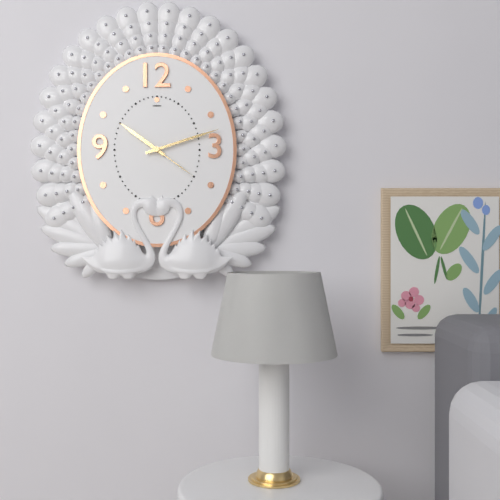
10h12m21s
